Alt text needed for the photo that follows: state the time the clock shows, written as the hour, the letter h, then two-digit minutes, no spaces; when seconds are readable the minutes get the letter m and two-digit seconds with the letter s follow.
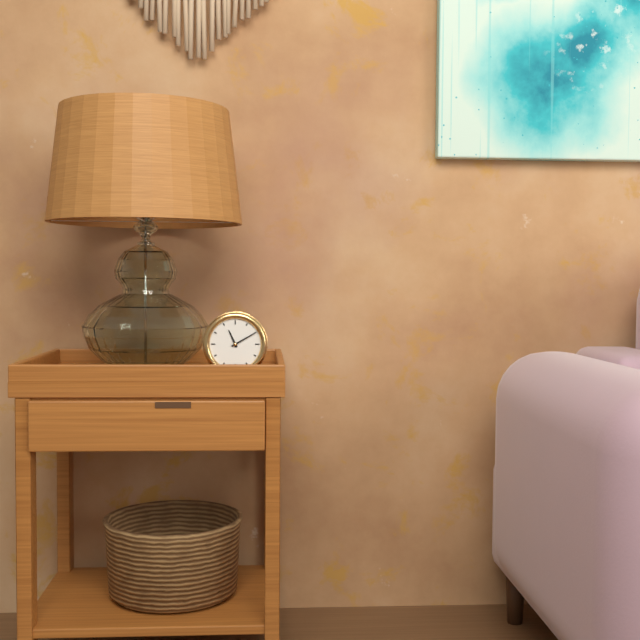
11h10
